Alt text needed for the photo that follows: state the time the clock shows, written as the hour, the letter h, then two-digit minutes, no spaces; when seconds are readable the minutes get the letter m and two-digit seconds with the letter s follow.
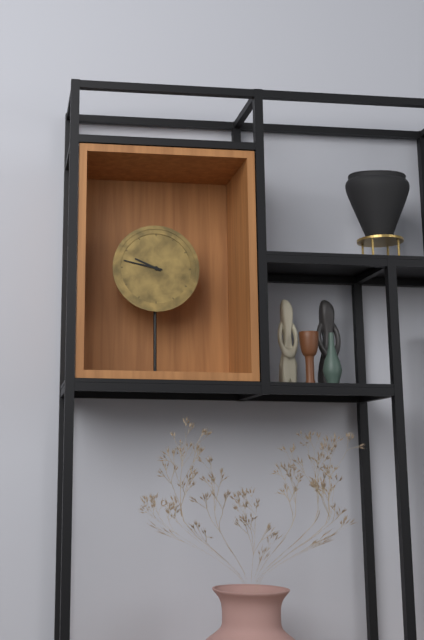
9h47
